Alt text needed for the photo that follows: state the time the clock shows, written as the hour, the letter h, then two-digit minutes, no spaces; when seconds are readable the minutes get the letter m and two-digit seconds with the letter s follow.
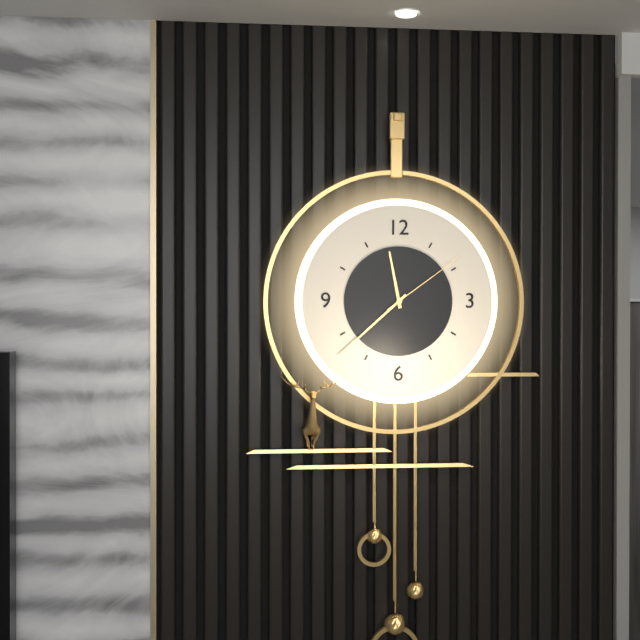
11h38m09s
